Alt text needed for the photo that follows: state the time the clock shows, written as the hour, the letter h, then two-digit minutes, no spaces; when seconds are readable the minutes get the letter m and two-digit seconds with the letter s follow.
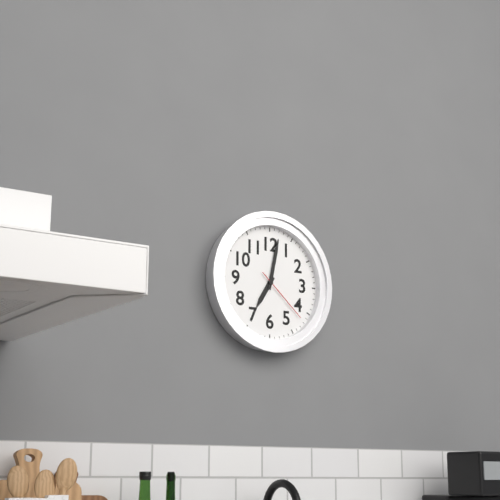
7h02m22s
